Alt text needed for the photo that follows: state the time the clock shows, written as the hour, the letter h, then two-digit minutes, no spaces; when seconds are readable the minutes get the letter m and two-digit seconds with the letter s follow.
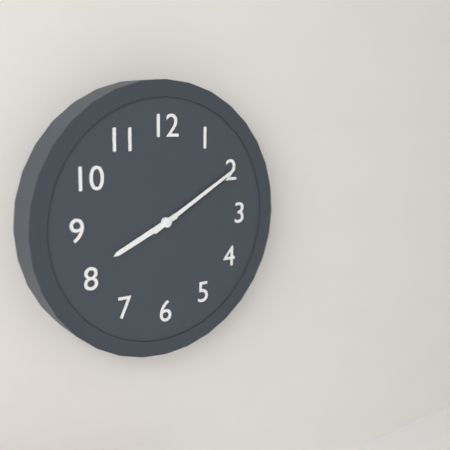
8h10
